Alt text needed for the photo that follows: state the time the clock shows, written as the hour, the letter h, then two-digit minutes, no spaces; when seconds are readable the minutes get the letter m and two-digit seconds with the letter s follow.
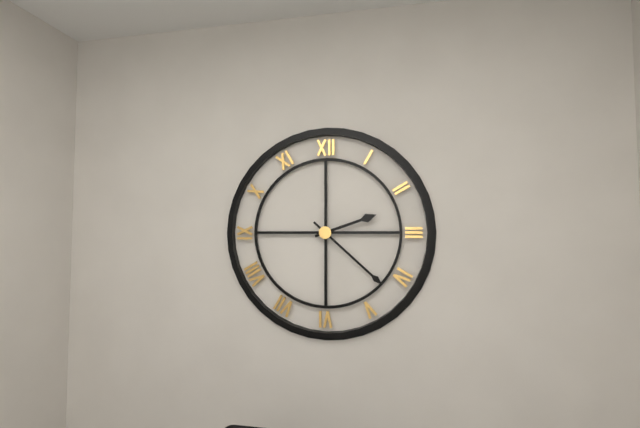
2h22
